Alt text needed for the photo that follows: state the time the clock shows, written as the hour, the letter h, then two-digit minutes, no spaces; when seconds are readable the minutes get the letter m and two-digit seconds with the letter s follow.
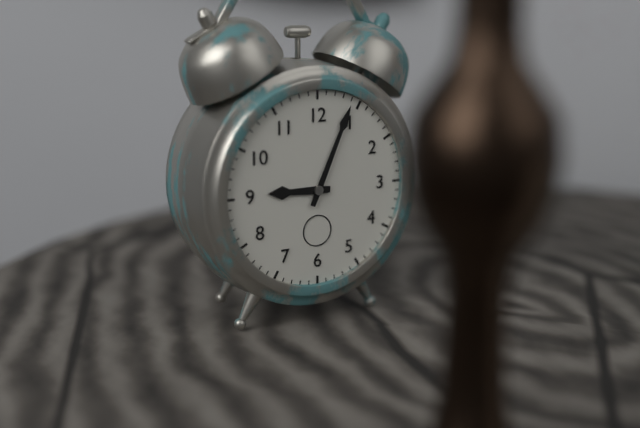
9h04
